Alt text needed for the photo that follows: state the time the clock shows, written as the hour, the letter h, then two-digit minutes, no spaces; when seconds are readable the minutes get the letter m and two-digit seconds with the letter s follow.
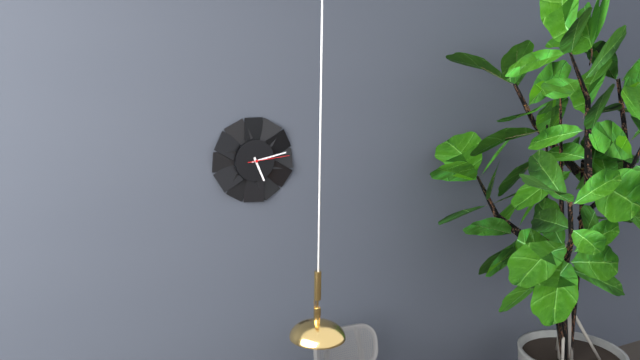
5h13
